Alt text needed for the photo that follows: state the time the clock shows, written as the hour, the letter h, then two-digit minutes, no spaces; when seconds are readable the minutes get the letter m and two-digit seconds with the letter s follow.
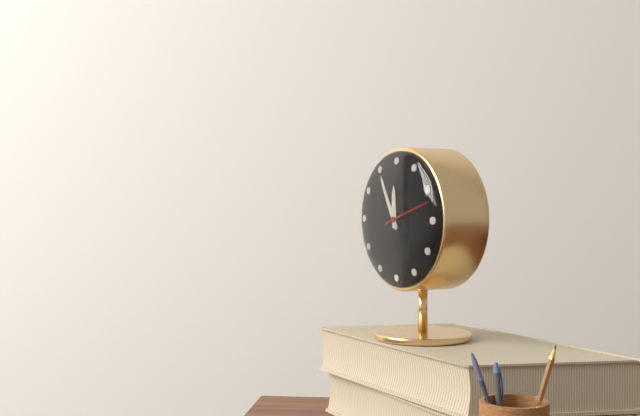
11h55
